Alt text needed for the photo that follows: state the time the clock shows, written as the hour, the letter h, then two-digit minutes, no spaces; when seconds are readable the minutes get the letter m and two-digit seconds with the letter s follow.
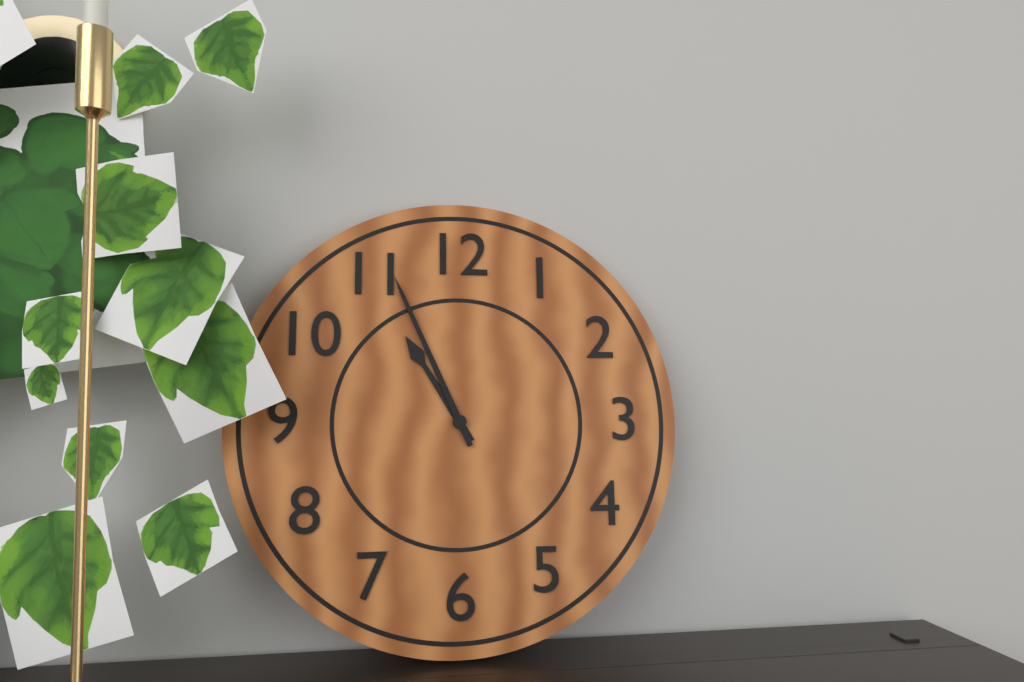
10h56
